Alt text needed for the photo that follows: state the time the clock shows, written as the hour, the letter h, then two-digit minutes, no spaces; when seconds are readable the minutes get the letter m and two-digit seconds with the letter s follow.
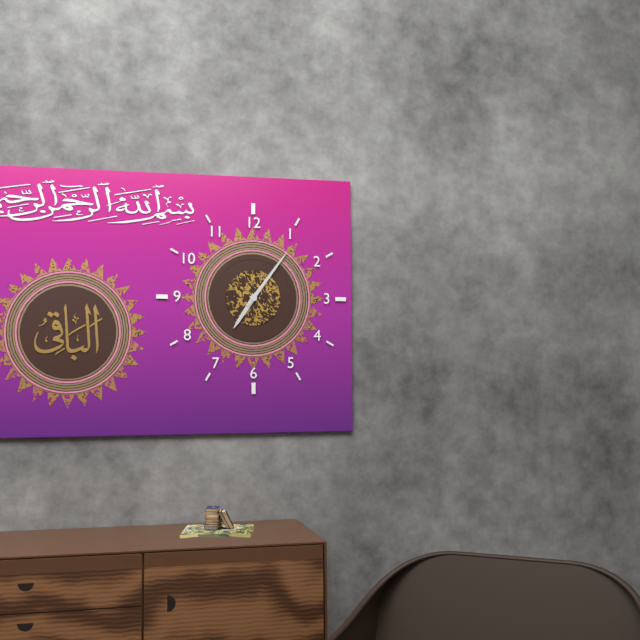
7h06
